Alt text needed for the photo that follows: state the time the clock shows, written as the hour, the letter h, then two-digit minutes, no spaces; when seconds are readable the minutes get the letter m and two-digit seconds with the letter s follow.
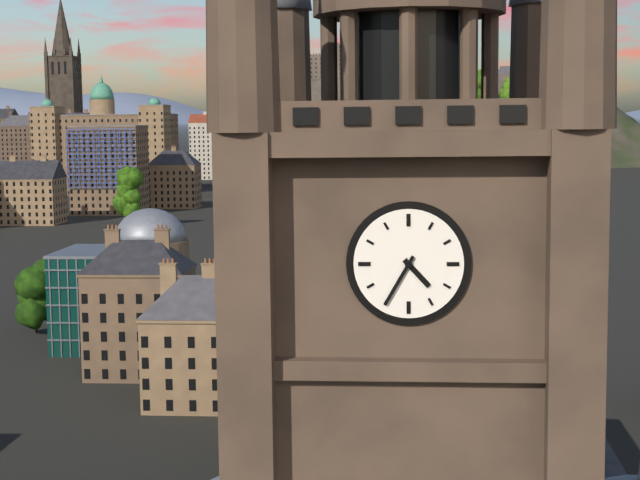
4h35
